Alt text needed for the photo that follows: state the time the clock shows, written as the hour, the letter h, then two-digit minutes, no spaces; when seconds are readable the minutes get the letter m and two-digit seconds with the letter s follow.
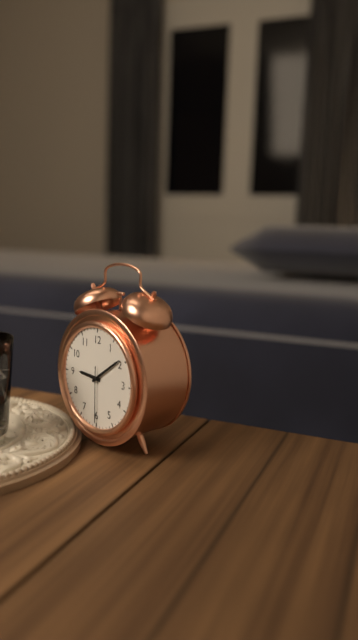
9h09m30s
